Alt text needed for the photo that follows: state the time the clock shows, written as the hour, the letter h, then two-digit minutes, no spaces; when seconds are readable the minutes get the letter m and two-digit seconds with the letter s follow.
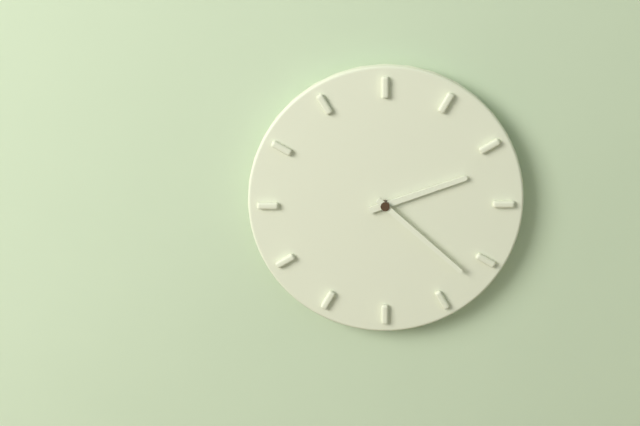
2h22
